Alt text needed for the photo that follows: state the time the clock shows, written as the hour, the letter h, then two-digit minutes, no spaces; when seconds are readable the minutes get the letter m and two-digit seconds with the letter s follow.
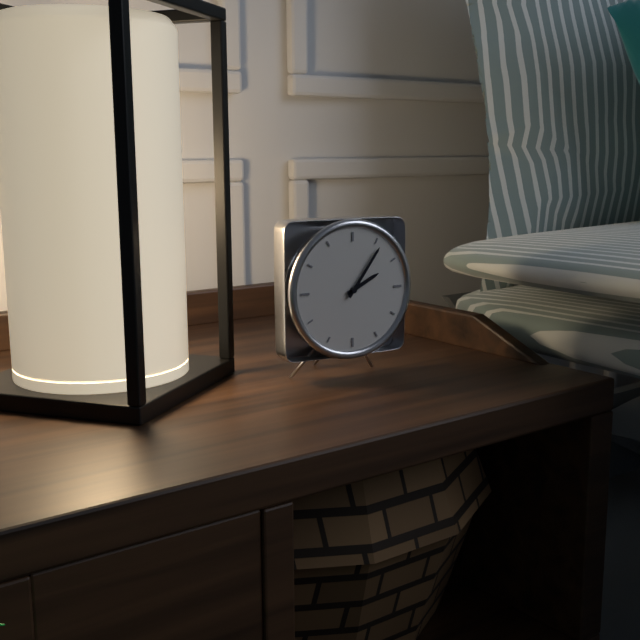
2h06
